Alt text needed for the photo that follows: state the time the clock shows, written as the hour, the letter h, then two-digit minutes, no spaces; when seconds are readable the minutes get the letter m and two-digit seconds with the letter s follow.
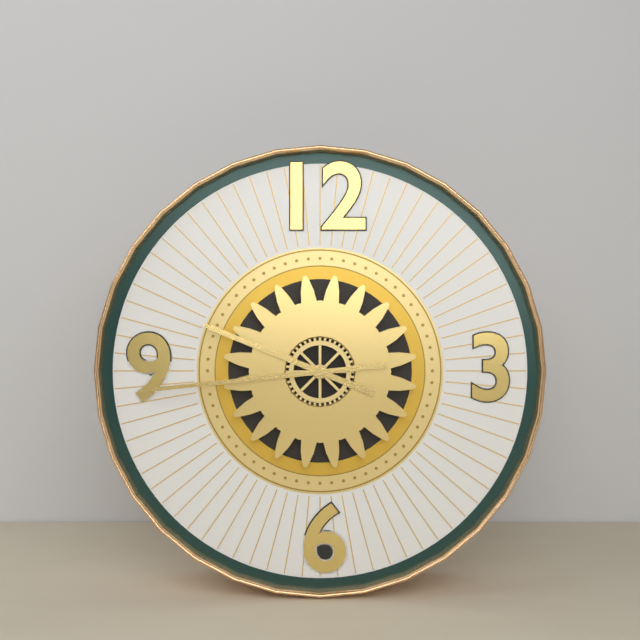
9h44
